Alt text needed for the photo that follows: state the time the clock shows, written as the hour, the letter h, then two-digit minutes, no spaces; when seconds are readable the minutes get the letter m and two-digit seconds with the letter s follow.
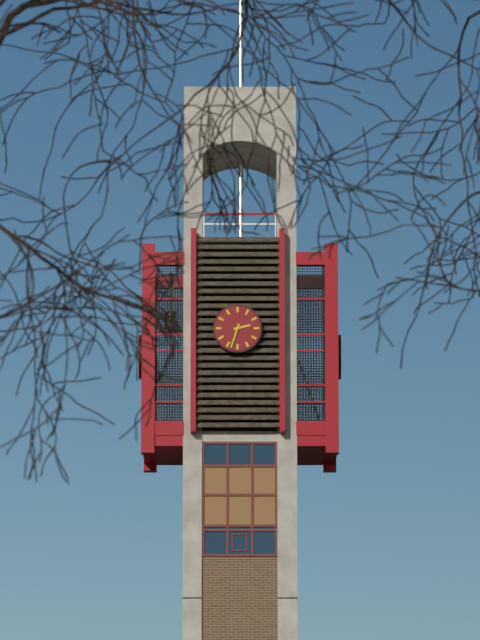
2h33
